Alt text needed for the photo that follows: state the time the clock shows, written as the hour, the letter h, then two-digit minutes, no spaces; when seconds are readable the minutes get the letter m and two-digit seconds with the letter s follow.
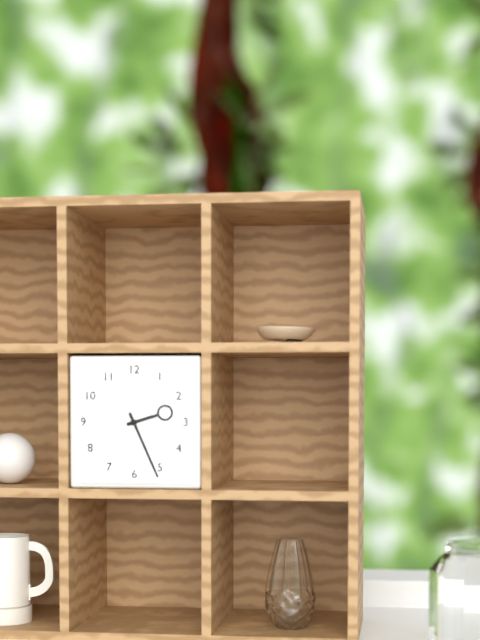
2h26
